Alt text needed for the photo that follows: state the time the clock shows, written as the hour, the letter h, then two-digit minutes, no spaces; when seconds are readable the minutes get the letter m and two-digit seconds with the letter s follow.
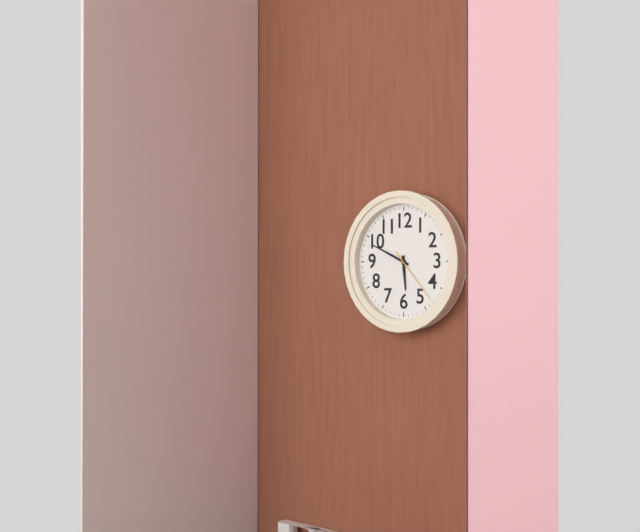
5h49m23s
